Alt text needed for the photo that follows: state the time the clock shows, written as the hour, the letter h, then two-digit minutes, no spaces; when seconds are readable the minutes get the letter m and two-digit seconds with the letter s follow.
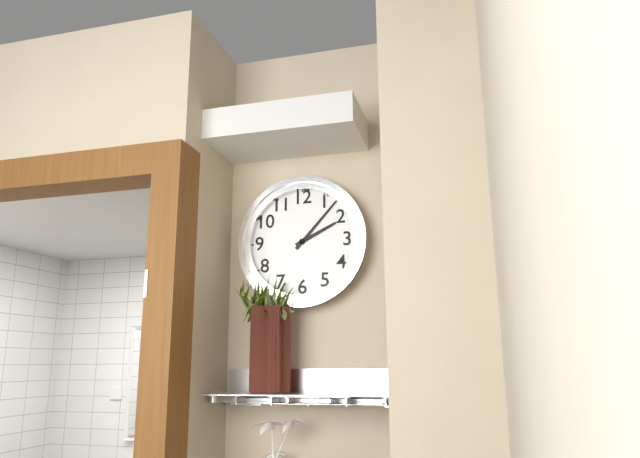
2h07
